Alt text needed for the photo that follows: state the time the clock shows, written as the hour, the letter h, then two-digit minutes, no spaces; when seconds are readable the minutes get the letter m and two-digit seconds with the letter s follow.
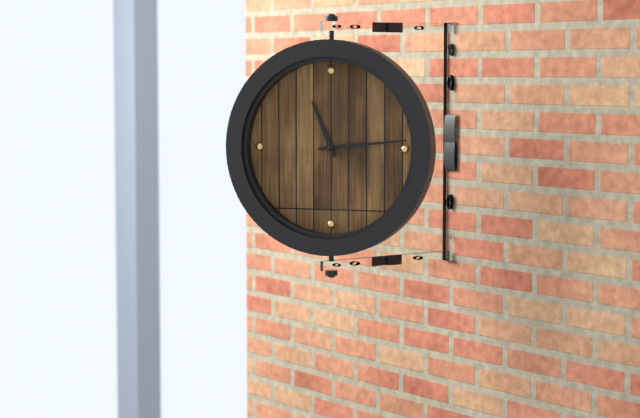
11h14
